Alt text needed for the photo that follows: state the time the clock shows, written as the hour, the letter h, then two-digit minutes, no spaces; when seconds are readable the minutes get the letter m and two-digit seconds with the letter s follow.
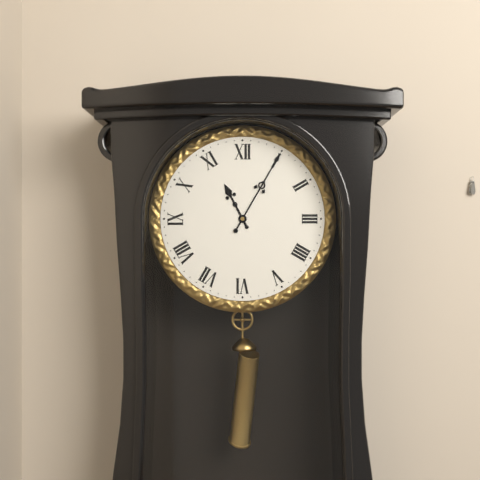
11h05
